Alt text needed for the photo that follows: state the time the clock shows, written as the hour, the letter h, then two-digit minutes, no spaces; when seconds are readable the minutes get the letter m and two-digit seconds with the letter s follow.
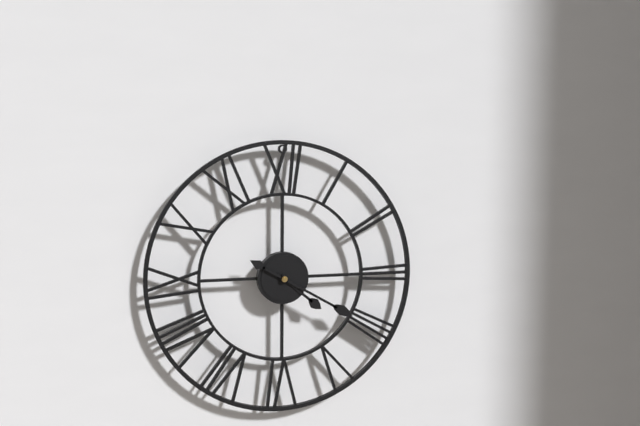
4h20
